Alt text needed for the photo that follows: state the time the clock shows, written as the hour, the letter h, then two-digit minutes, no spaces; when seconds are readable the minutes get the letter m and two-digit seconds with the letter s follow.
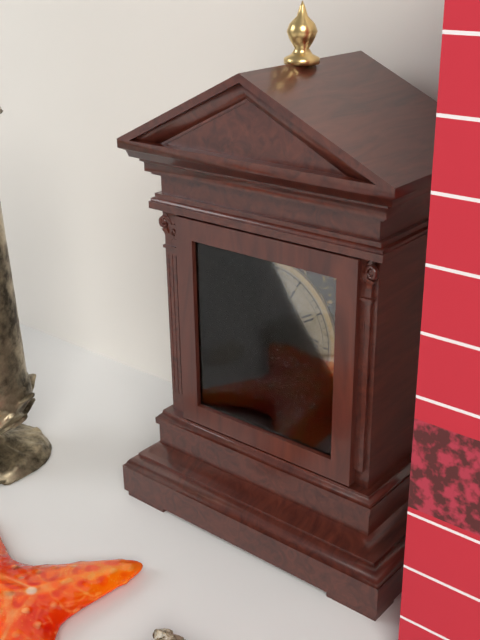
4h36m35s
